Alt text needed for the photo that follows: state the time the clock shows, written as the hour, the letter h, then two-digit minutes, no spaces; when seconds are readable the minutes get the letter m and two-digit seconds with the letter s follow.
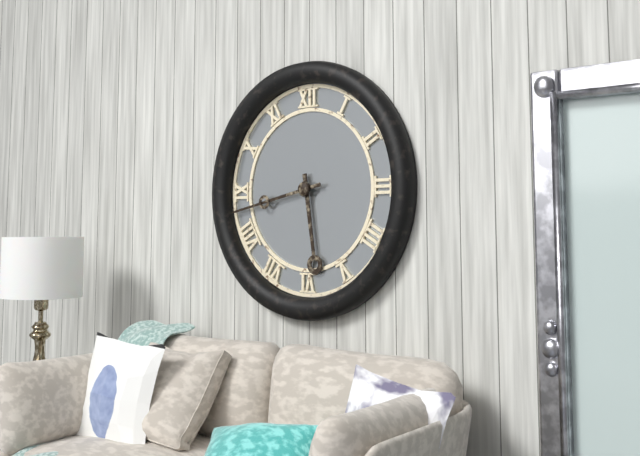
5h43
